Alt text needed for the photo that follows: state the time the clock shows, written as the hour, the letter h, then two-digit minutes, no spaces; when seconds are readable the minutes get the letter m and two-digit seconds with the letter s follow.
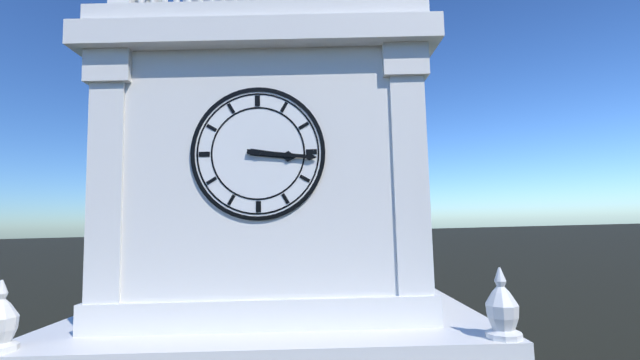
3h16
